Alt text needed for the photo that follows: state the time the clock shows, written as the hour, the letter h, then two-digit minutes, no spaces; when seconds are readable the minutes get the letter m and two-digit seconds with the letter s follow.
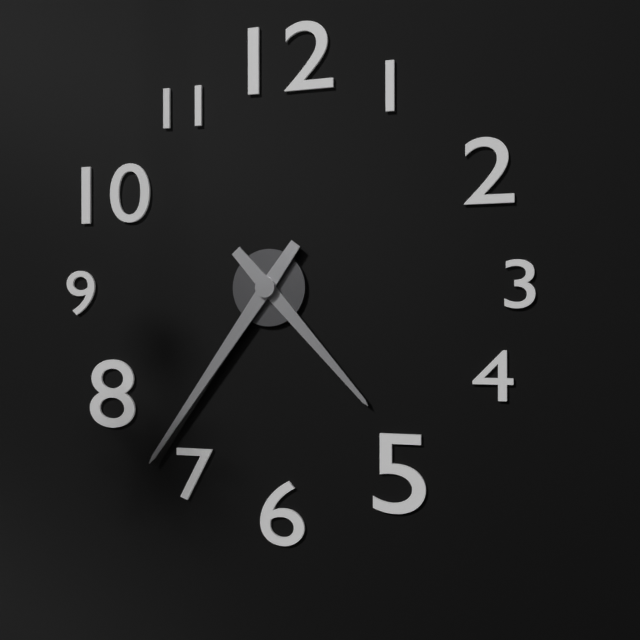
4h36
